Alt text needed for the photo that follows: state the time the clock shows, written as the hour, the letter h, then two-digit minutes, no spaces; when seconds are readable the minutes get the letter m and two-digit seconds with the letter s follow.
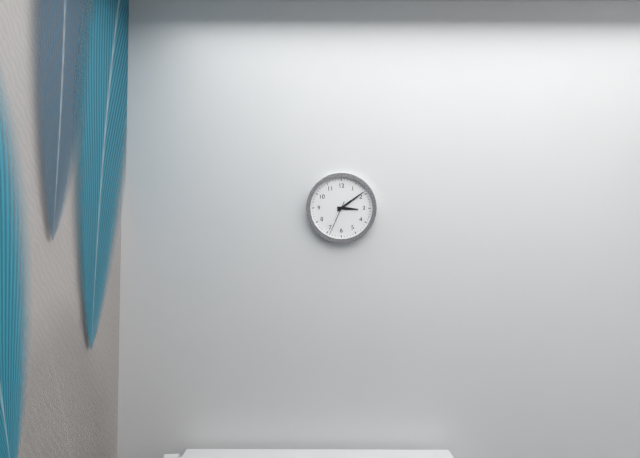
3h09
